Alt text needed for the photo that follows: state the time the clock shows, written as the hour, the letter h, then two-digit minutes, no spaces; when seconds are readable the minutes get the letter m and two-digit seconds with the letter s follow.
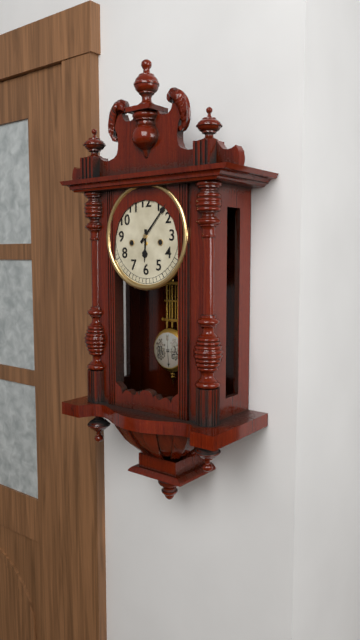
6h07
